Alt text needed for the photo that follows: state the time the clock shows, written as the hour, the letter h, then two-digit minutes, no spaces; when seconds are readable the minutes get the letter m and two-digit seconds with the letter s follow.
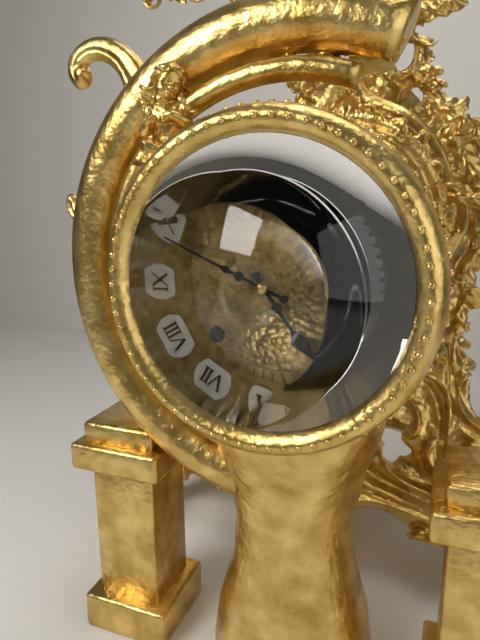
4h49
